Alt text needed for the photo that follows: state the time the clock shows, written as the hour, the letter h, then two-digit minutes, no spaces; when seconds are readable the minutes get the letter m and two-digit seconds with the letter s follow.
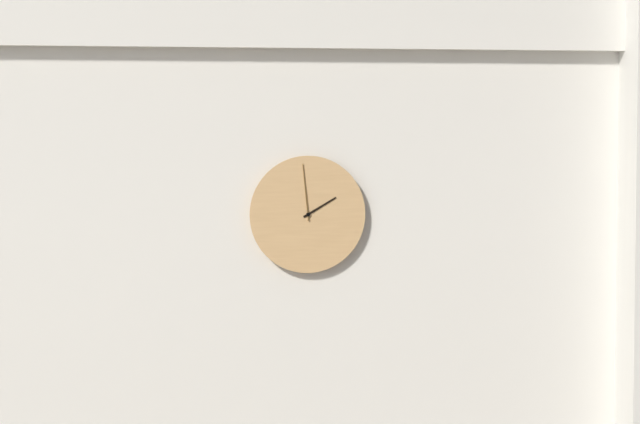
1h59
